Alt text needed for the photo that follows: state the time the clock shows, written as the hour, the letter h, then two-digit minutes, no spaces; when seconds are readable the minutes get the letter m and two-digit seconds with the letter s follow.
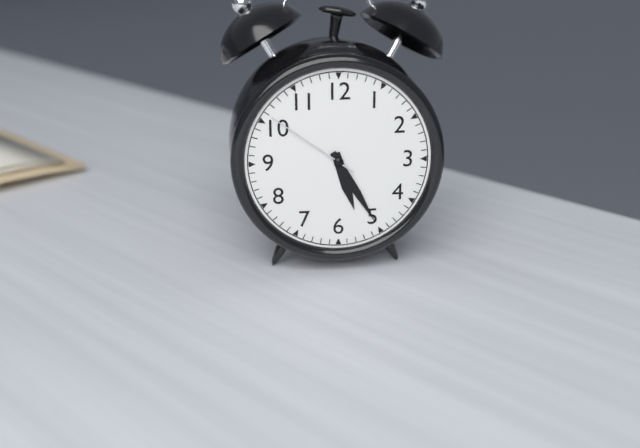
5h25m51s
